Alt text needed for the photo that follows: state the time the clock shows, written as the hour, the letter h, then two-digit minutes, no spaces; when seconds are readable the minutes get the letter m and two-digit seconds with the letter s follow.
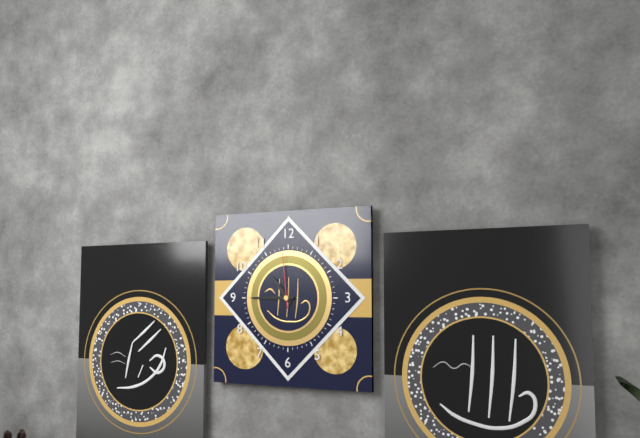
10h45m59s
